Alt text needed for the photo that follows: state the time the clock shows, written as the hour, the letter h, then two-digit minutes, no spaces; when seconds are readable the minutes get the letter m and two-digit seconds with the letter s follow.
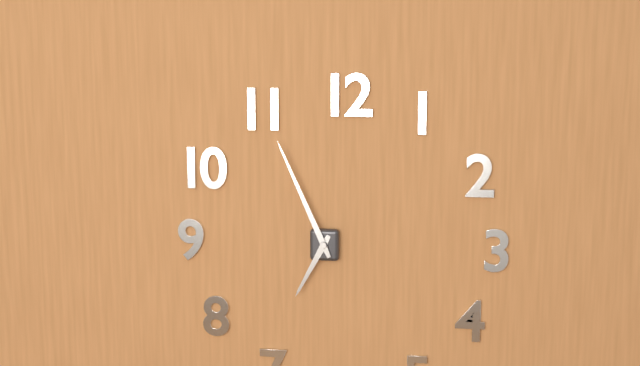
6h56
